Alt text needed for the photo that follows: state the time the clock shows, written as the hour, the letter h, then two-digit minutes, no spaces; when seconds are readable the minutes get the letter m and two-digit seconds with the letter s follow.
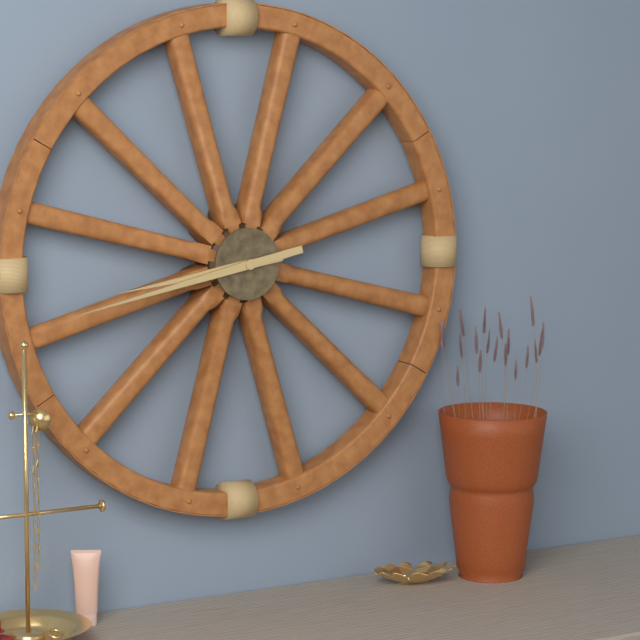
8h43
